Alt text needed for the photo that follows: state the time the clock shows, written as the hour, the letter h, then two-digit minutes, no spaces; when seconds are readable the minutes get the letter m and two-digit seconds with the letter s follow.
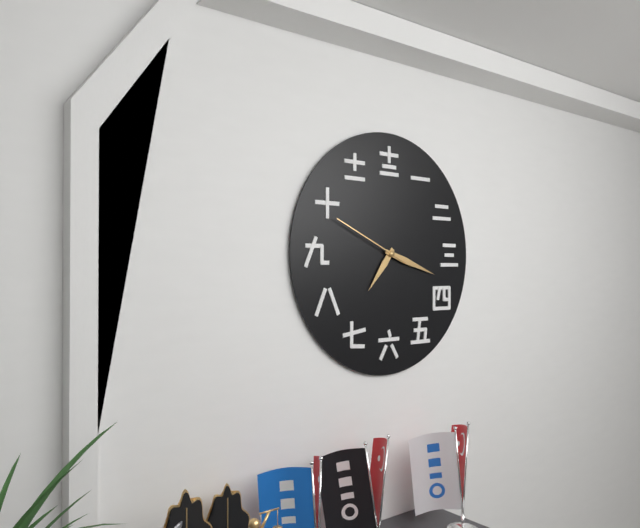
7h18m49s
